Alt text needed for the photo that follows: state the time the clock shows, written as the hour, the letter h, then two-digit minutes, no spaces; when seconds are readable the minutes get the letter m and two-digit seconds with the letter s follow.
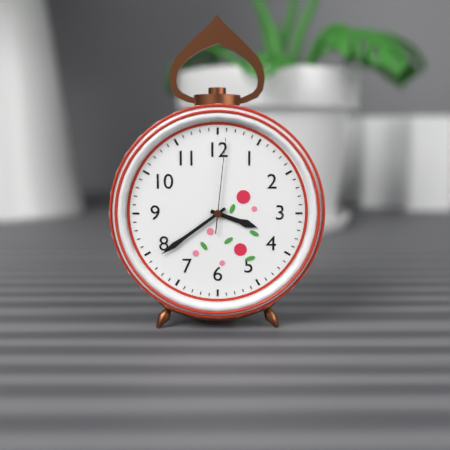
3h39m01s
